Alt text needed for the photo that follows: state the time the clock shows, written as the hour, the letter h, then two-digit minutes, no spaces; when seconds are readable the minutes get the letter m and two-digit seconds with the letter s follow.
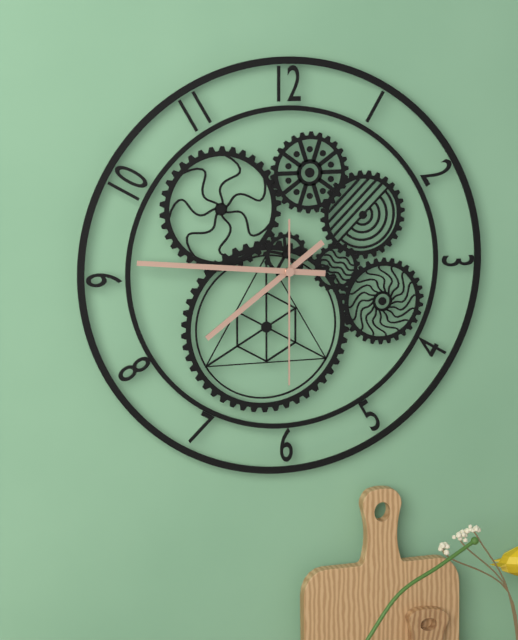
7h46m30s
